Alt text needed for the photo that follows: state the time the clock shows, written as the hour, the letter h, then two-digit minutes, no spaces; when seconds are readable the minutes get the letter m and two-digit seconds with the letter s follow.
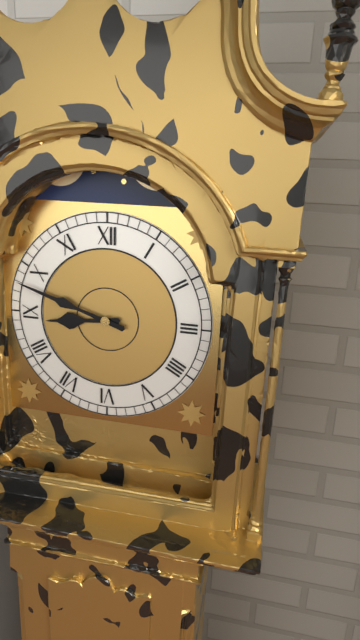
8h48
